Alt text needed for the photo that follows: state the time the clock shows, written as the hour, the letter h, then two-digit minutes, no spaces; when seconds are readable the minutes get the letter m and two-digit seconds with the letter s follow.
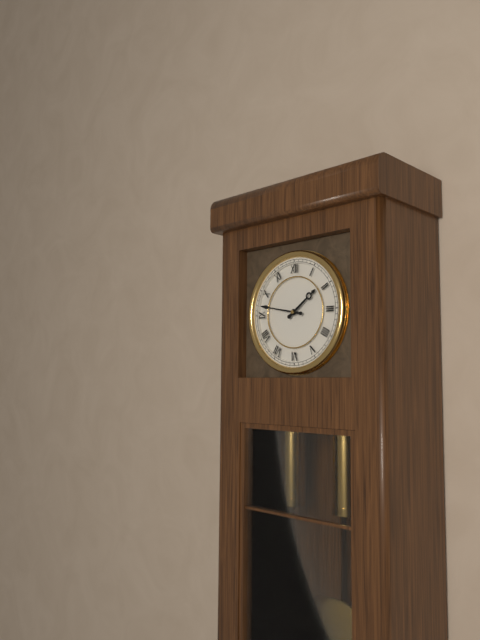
1h47
